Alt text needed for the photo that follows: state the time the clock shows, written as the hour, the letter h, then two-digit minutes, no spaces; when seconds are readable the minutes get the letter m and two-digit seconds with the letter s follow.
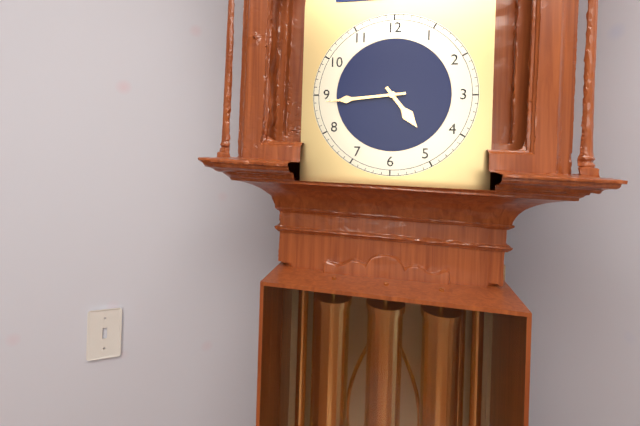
4h44
